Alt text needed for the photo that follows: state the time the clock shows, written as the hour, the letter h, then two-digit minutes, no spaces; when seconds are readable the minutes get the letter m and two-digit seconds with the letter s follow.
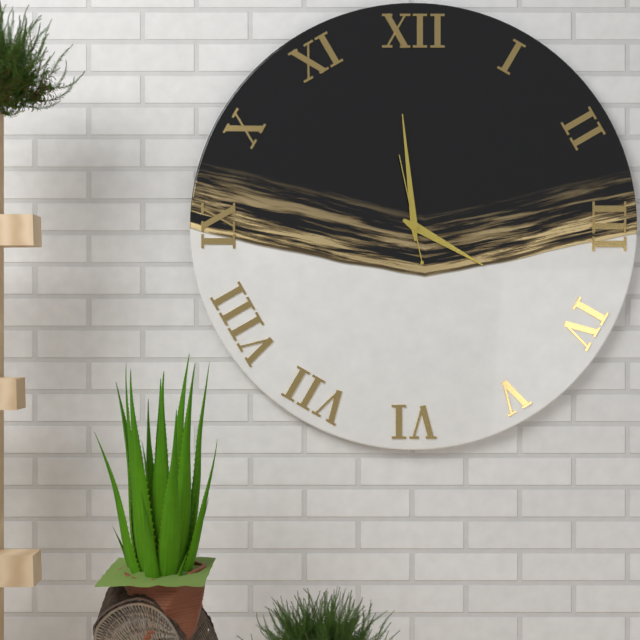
3h59m58s
